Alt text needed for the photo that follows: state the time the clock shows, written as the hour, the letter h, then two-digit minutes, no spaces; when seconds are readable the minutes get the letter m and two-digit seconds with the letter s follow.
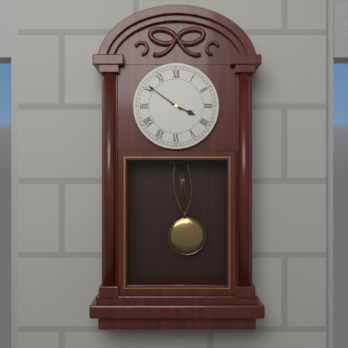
3h51
